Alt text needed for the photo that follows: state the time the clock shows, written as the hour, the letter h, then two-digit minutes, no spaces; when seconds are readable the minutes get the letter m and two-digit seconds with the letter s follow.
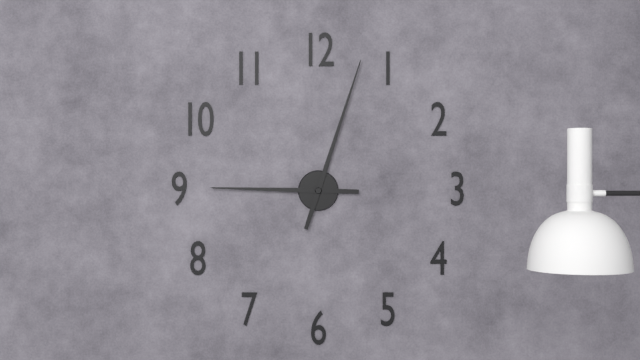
9h03
